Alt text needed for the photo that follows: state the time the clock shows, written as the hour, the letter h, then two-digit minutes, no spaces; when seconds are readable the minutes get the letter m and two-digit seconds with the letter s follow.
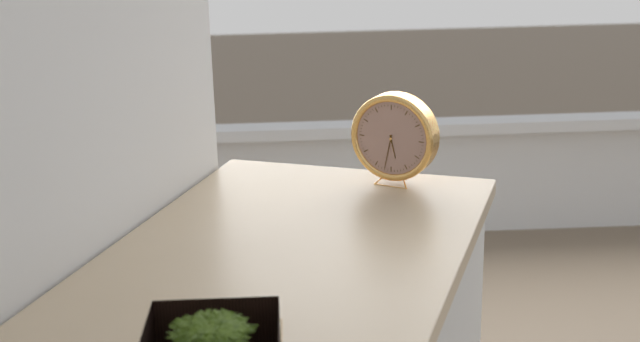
5h32
